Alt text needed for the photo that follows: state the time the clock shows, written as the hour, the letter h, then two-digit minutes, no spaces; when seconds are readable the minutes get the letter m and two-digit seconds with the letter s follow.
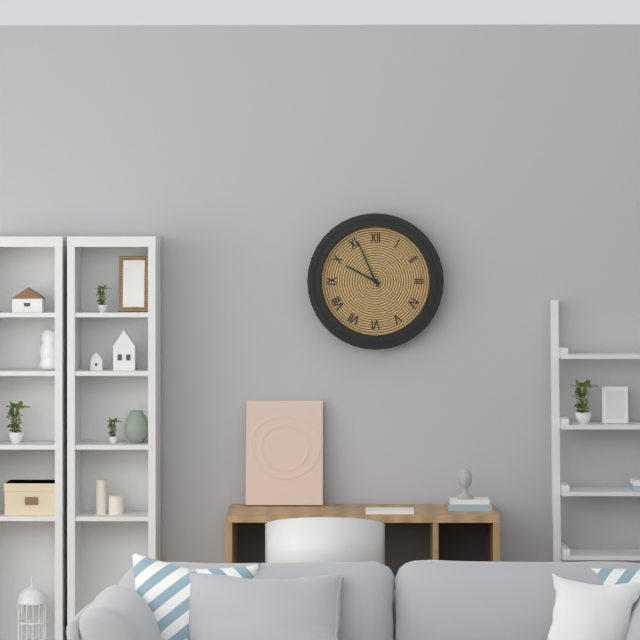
9h56
